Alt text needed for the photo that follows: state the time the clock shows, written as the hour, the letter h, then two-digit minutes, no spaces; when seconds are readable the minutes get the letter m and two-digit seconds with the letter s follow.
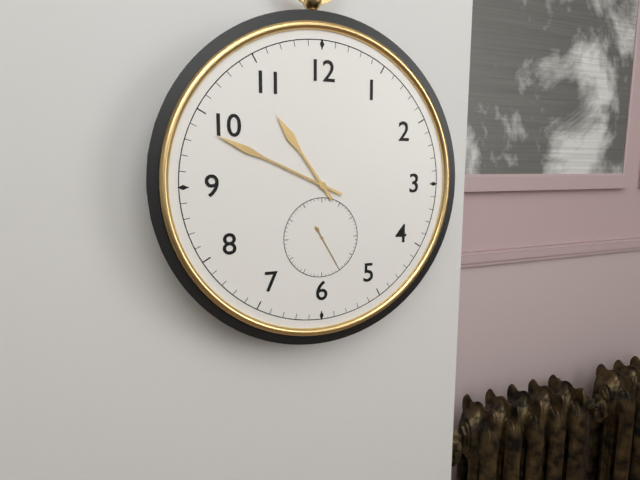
10h49m25s
